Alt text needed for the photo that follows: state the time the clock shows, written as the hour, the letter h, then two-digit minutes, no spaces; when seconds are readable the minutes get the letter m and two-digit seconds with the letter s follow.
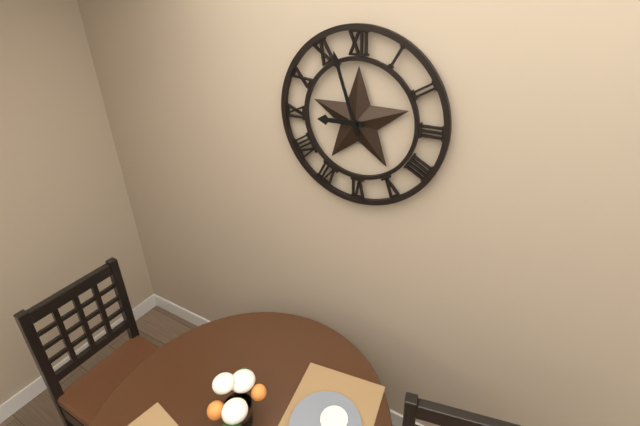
8h57
